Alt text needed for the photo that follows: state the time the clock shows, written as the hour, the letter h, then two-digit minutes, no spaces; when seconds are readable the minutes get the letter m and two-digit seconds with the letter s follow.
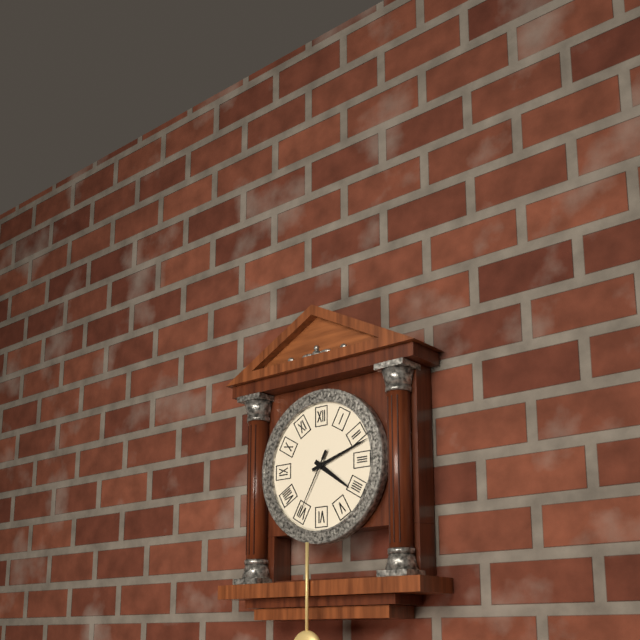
4h12m35s
